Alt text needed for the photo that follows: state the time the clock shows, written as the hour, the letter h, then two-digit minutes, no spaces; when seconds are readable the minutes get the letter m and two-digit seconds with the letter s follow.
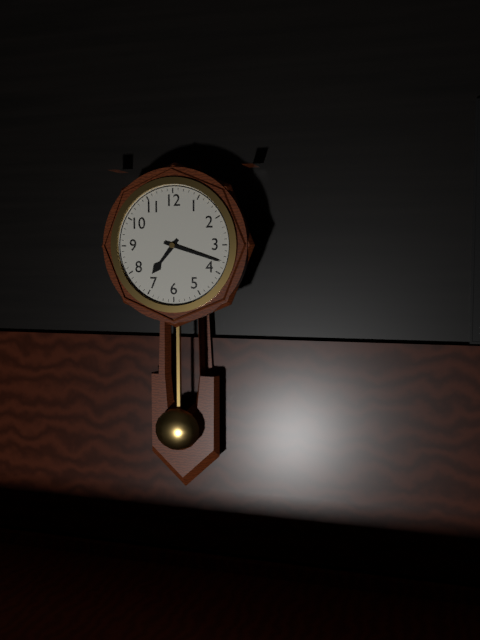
7h18
